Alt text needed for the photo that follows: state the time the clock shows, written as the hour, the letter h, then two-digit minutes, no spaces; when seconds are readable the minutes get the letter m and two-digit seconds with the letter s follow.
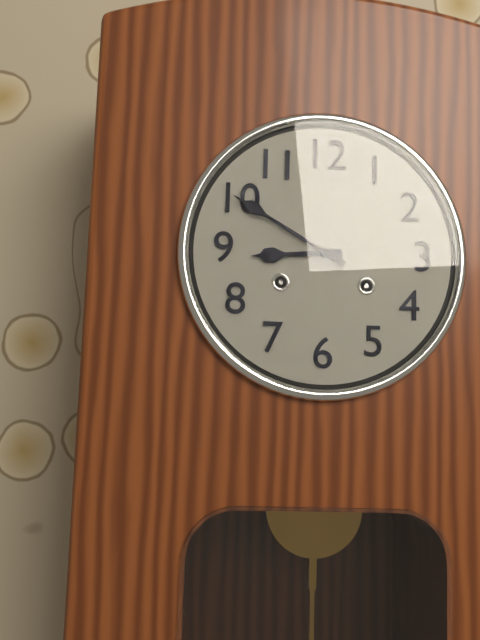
8h50
